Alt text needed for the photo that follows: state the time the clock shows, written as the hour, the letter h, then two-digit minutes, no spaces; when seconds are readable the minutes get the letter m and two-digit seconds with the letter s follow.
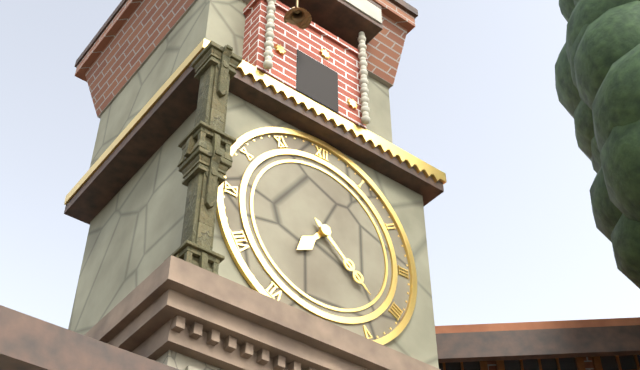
7h22
